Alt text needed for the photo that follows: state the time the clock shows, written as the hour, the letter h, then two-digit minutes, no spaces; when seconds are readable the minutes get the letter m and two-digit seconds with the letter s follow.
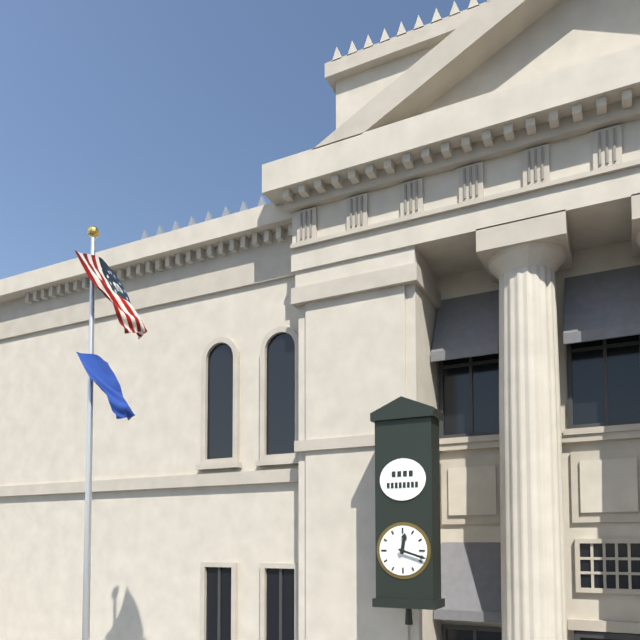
12h18
